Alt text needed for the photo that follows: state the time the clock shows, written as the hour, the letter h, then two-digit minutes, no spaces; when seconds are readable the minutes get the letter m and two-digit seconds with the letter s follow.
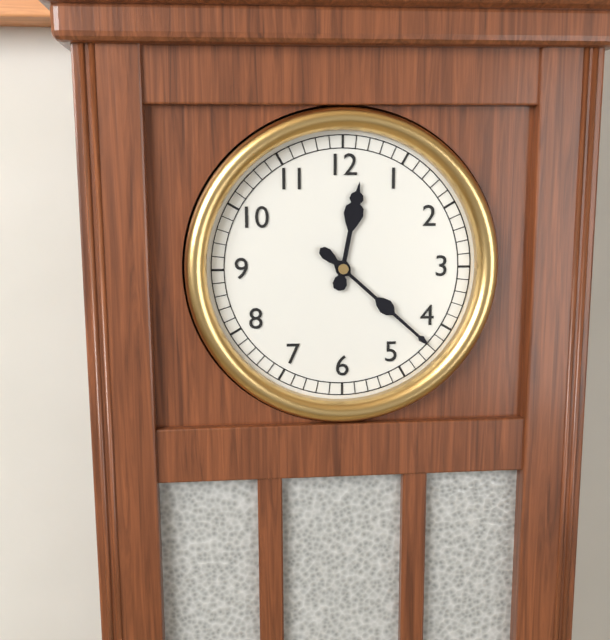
12h22
